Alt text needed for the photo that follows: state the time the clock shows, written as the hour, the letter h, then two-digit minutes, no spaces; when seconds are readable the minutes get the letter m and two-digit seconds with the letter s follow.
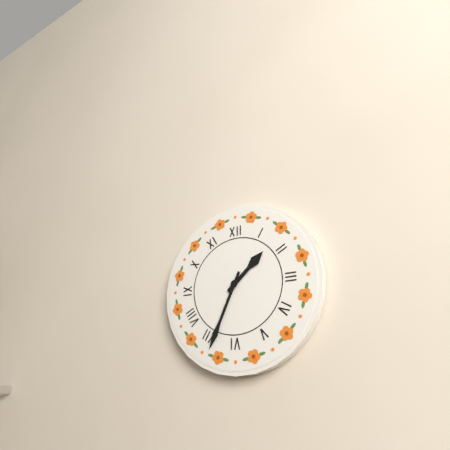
1h34
